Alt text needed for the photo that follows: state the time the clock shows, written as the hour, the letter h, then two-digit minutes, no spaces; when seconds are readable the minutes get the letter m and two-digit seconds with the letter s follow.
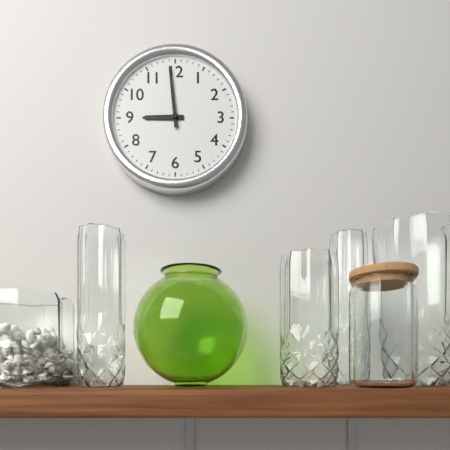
8h59
